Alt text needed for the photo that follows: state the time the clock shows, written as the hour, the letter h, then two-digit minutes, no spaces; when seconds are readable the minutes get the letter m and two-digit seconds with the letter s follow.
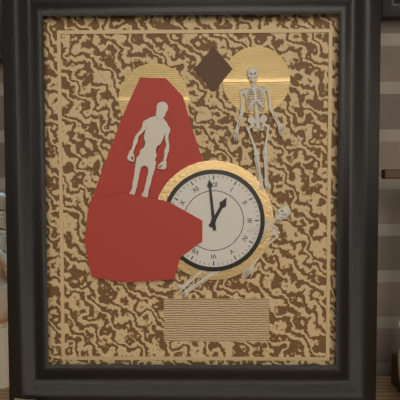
12h59
